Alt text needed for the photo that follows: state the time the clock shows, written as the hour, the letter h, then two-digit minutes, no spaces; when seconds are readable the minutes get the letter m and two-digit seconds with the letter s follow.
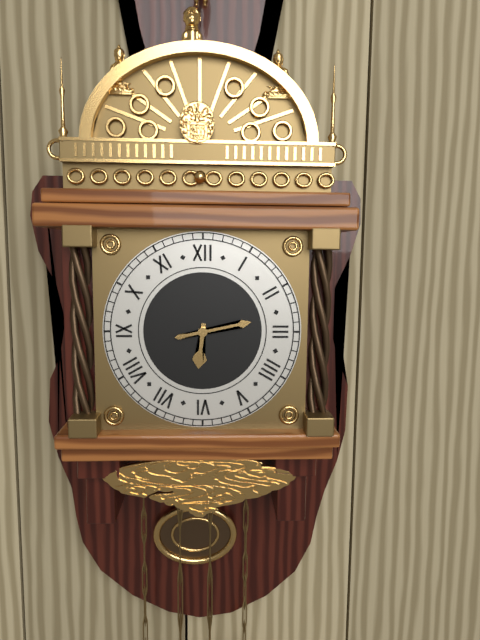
6h13
